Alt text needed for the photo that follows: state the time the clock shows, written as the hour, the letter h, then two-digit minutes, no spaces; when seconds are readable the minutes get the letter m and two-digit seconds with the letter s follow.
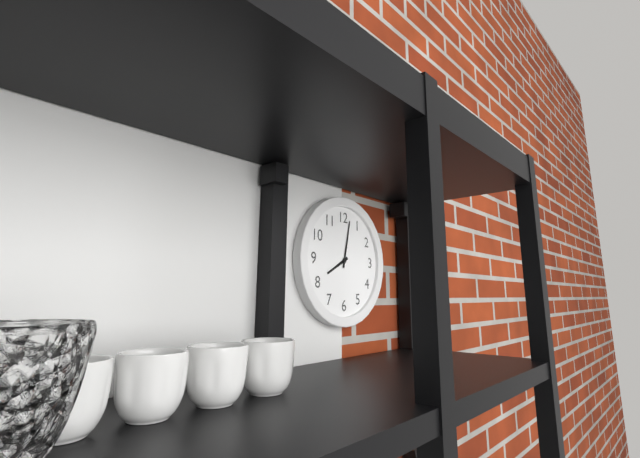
8h02
